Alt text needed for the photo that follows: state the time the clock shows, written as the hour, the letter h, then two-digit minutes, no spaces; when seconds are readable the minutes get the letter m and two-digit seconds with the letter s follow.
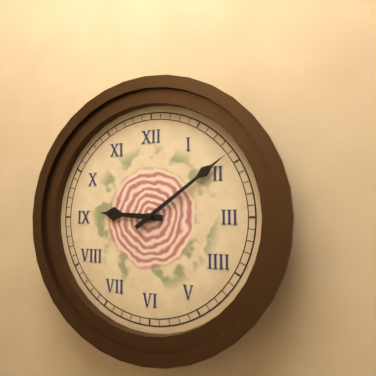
9h09
